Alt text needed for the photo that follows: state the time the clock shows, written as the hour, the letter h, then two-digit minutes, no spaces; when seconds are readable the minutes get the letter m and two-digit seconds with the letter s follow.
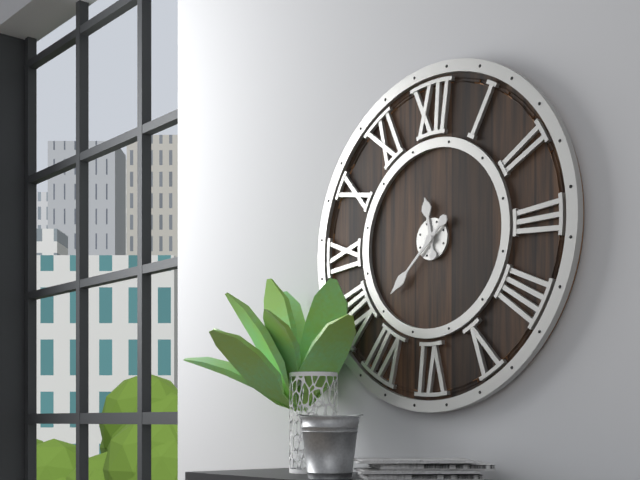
11h38
